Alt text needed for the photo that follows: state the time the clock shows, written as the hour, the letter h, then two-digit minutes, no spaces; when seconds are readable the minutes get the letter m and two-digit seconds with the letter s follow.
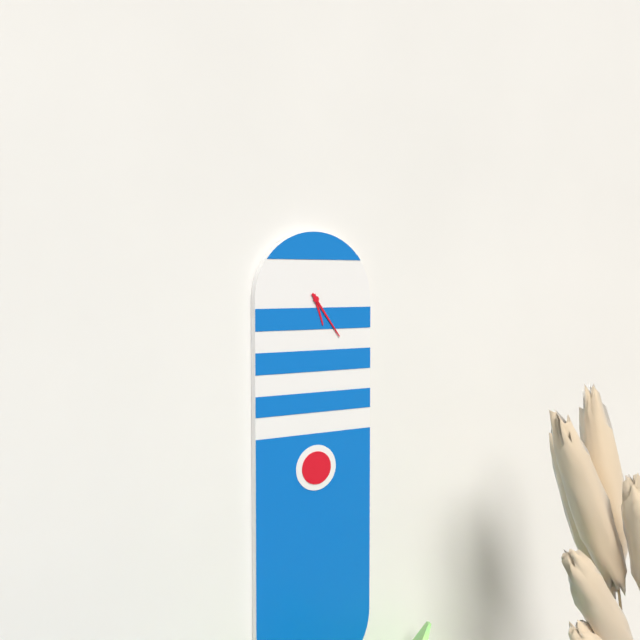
5h24
